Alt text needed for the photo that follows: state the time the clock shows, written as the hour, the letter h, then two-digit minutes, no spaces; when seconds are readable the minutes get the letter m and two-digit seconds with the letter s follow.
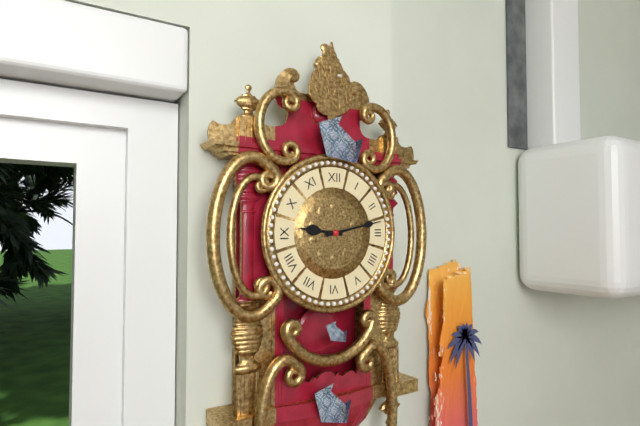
9h13
